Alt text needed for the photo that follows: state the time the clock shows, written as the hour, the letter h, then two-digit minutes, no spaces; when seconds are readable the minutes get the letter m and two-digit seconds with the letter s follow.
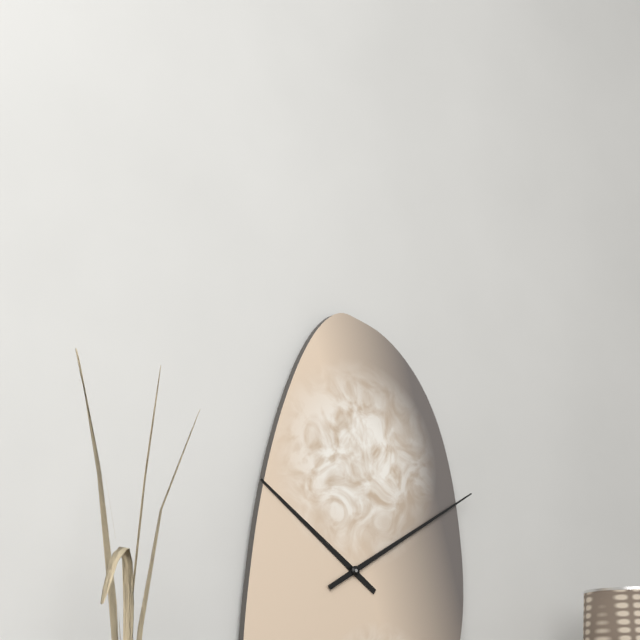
10h10
